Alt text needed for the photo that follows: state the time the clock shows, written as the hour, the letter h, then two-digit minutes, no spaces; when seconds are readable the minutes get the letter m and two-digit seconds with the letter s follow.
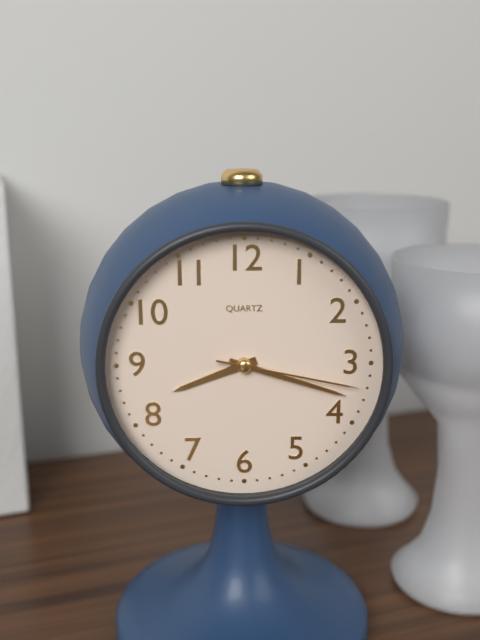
8h18m17s
